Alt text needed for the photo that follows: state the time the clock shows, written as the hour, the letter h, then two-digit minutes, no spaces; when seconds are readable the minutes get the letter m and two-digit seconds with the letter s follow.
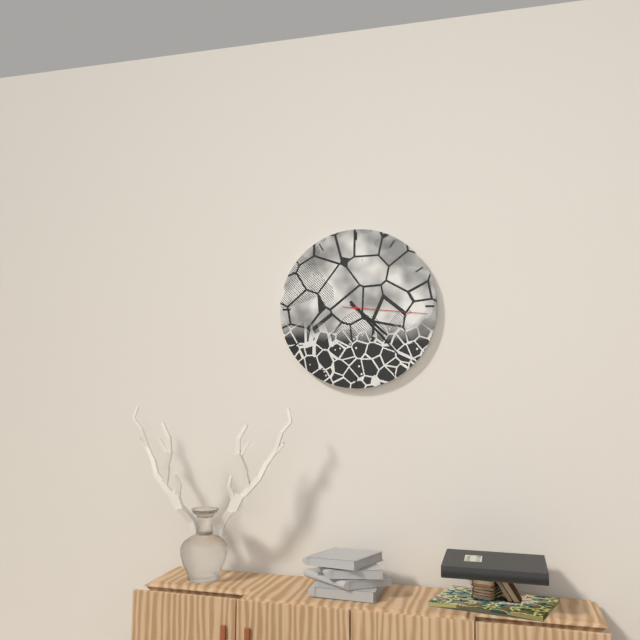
4h23m16s
